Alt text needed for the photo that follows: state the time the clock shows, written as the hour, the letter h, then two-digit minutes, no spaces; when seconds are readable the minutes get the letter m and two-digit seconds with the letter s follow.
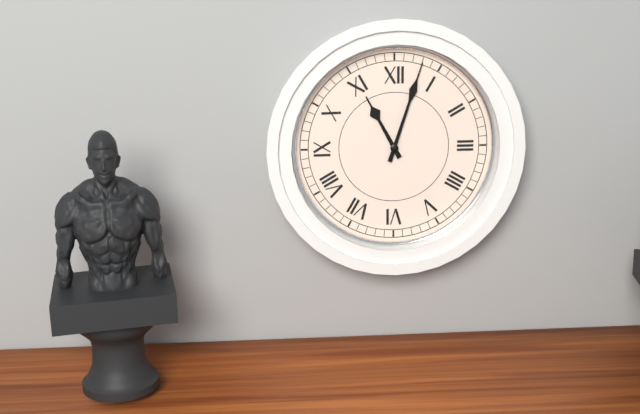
11h03
